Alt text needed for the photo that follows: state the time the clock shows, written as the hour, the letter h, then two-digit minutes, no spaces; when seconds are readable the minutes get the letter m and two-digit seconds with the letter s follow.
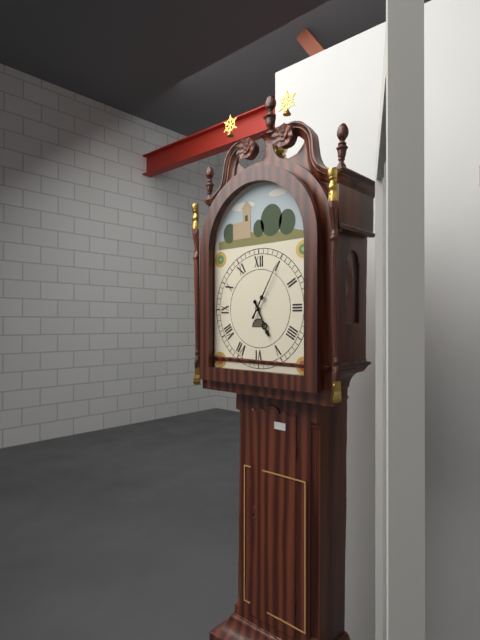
5h05
